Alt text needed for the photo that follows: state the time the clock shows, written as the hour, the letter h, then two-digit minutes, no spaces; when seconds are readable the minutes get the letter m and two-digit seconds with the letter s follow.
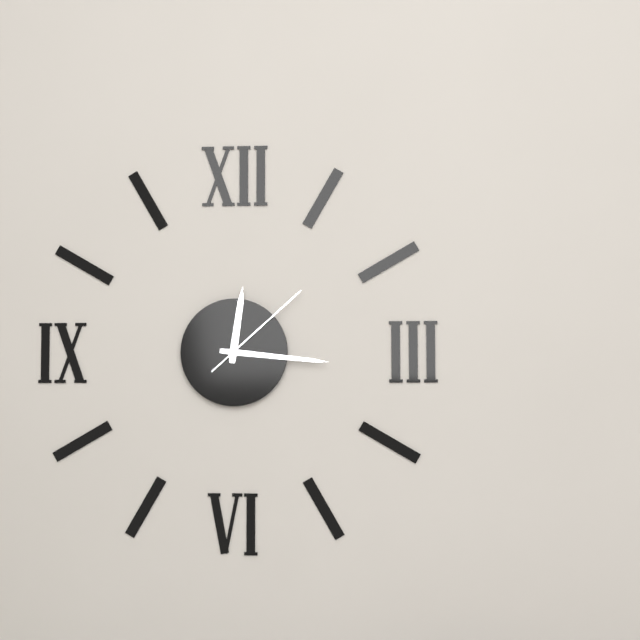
12h16m08s
